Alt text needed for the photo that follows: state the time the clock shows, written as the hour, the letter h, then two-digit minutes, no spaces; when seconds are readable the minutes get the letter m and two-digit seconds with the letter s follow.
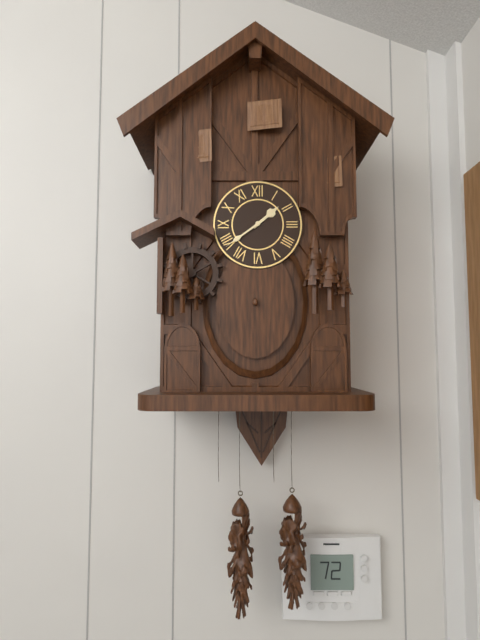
1h39
